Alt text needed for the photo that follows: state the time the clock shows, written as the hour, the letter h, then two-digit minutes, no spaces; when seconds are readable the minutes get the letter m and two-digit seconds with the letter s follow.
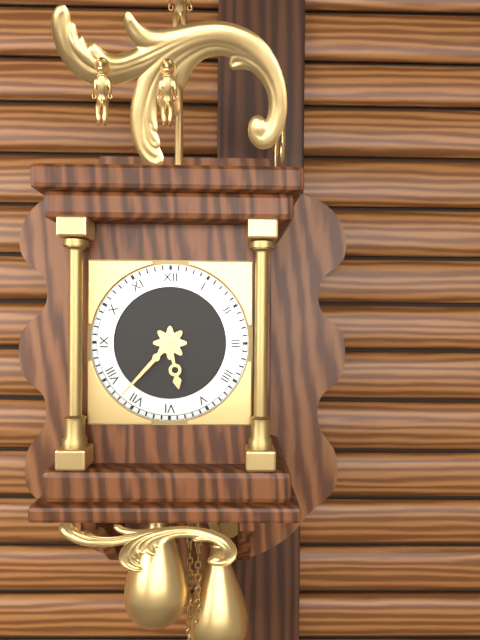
5h37
